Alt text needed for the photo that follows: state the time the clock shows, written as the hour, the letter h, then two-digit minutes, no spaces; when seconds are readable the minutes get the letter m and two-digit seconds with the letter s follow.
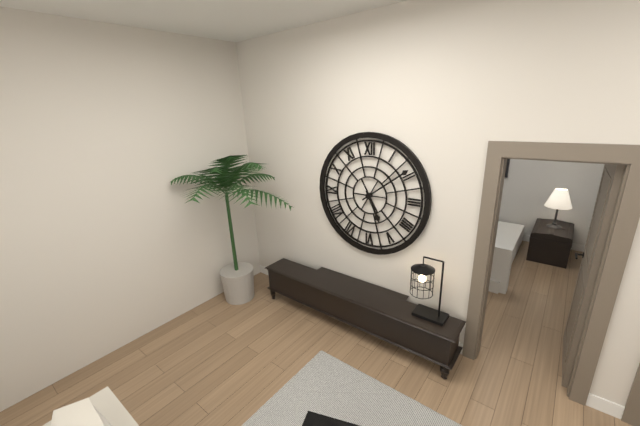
5h09
